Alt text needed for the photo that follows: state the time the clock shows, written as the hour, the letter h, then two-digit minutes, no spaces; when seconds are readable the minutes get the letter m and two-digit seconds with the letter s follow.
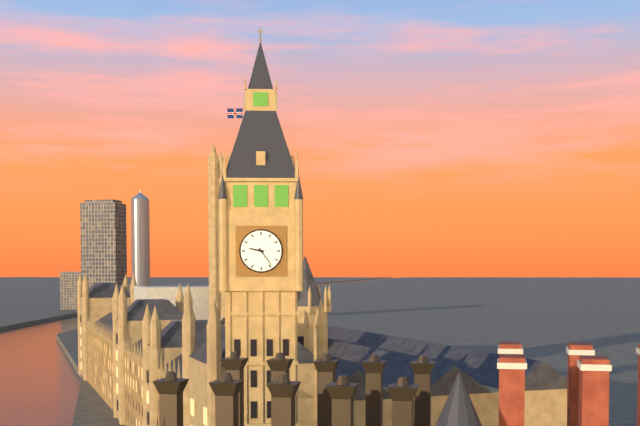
9h24
